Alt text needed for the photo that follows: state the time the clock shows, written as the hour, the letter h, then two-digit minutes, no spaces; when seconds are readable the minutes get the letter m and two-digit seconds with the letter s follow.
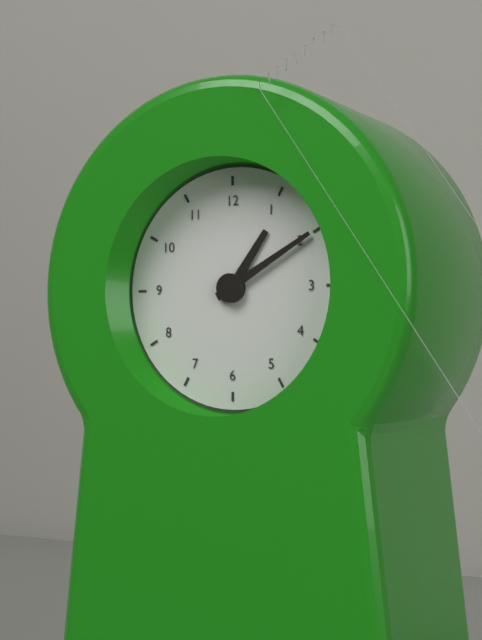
1h10
